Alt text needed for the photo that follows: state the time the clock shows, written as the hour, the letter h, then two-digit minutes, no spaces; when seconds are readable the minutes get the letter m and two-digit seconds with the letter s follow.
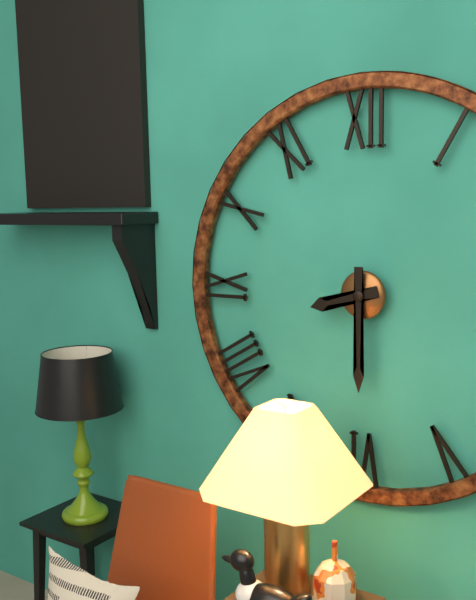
8h30
